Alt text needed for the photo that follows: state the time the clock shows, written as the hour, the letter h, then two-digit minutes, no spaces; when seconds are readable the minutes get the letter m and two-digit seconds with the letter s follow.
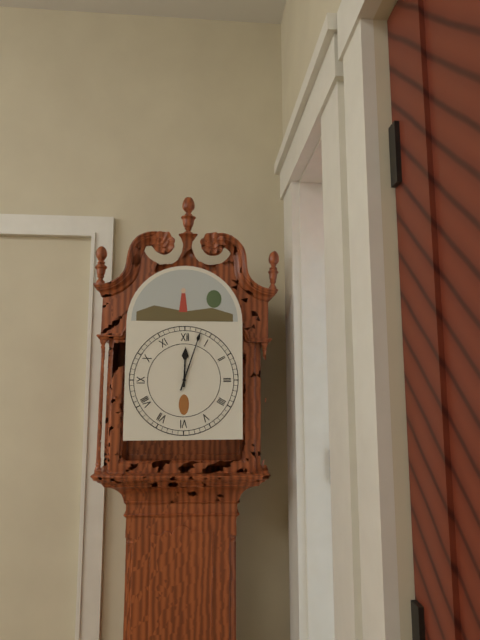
12h03
